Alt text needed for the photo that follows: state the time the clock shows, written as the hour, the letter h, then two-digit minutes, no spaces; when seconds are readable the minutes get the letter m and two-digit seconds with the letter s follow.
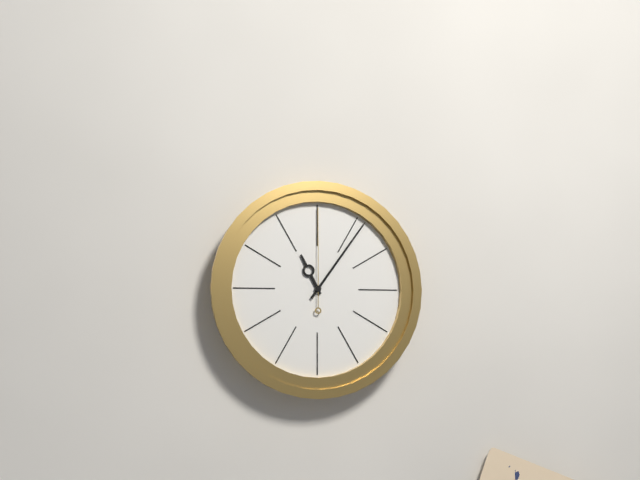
11h06m00s
